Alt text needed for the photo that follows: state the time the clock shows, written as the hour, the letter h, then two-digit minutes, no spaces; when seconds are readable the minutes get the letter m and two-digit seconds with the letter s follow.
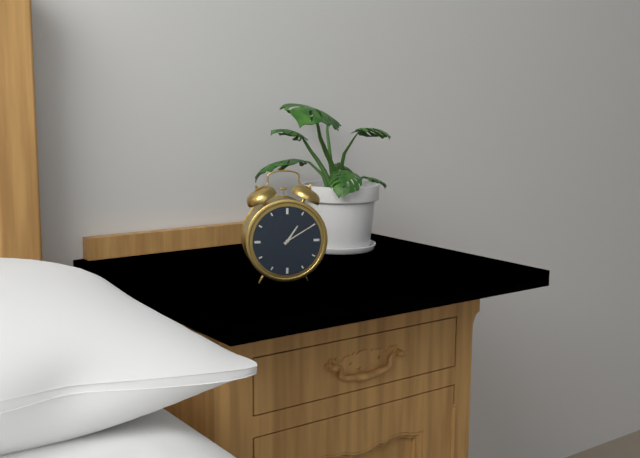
1h10
